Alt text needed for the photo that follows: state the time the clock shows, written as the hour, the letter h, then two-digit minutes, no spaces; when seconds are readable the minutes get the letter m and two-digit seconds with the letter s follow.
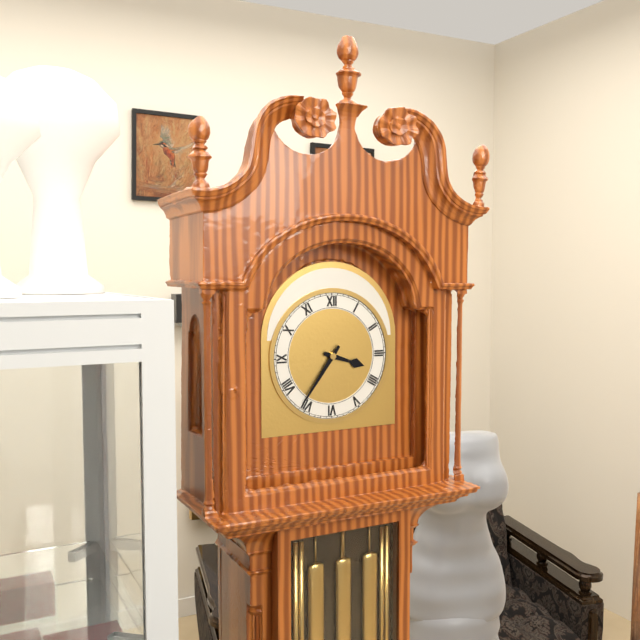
3h36
